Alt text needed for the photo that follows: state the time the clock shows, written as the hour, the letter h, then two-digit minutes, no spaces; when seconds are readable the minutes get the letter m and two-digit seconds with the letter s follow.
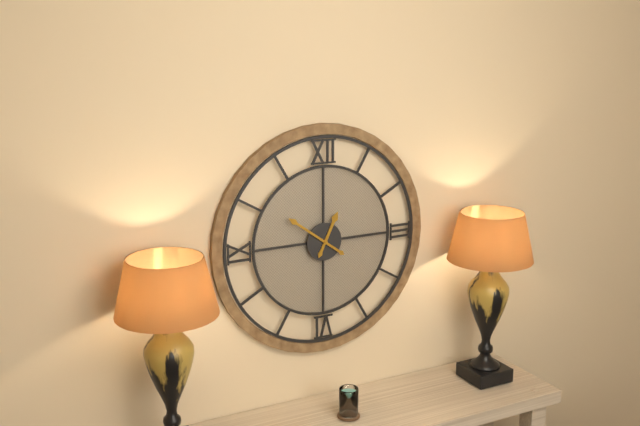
12h51
